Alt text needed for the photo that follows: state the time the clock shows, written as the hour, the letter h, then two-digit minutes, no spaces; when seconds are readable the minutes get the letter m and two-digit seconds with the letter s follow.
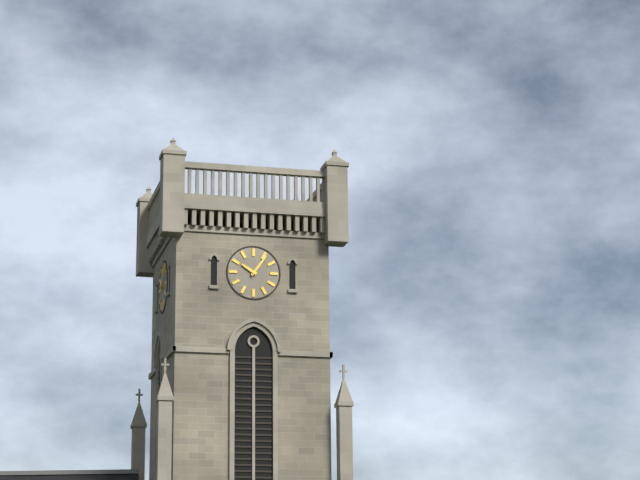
10h06
